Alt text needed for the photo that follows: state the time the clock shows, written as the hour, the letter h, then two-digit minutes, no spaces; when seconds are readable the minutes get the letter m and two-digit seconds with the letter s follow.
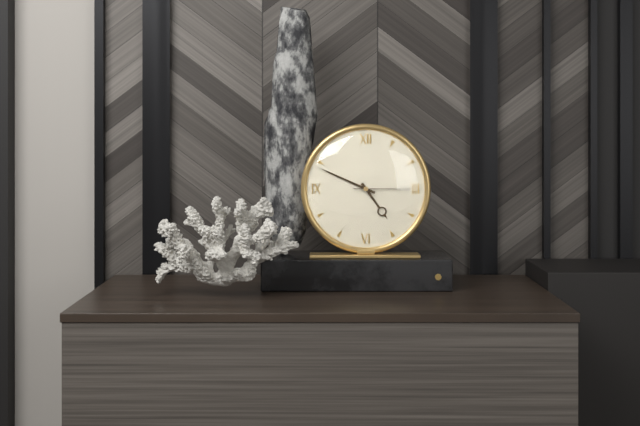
4h49m15s
